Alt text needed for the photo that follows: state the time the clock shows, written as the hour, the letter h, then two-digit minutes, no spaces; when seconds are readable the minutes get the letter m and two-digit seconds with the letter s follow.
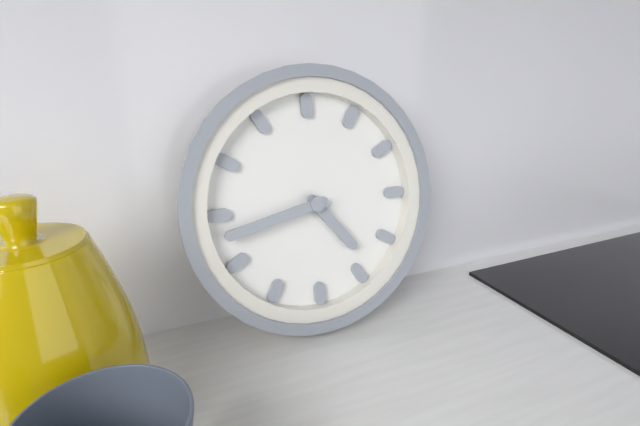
4h43
